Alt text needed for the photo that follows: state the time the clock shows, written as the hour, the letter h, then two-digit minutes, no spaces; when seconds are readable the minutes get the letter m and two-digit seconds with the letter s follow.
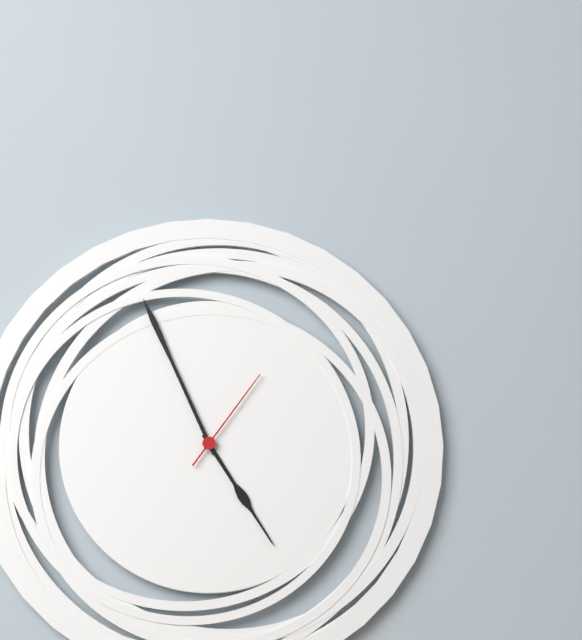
4h56m06s
